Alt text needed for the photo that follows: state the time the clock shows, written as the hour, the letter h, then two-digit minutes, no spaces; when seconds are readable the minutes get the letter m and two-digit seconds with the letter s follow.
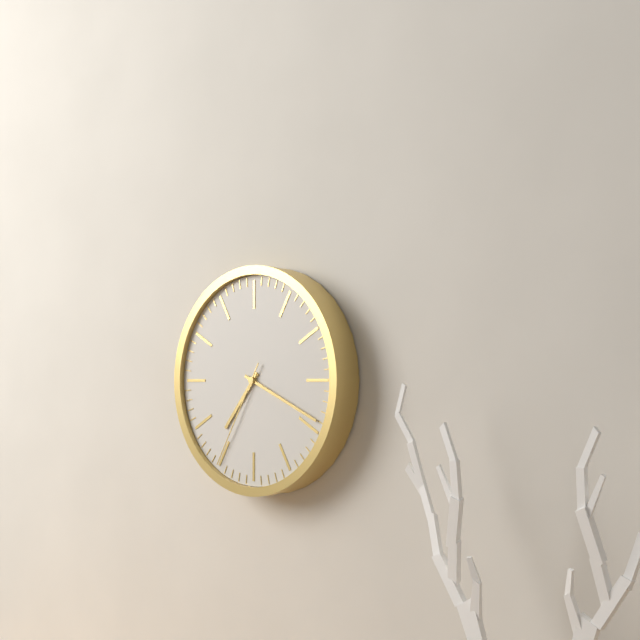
7h19m35s
